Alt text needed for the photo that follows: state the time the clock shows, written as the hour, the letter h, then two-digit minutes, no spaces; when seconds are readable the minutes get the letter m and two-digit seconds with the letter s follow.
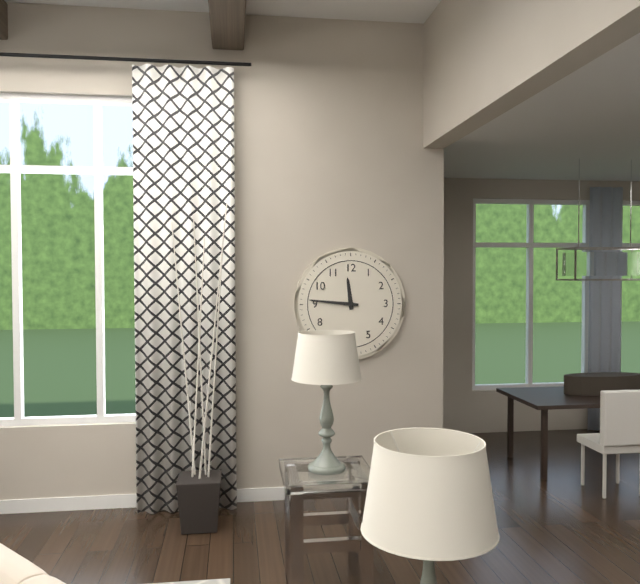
11h46
